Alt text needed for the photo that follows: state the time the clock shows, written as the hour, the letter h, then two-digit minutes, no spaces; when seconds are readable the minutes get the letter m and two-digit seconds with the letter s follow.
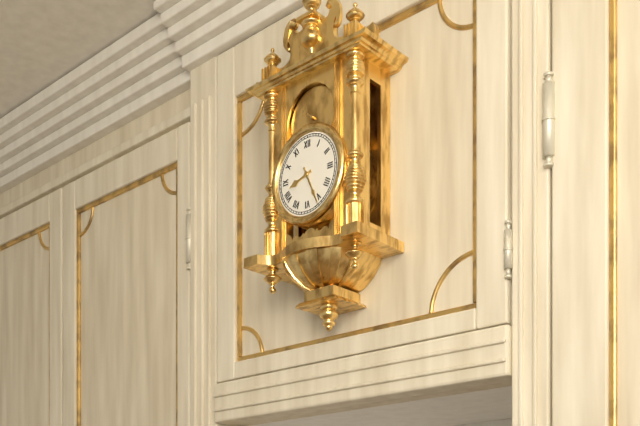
8h26
